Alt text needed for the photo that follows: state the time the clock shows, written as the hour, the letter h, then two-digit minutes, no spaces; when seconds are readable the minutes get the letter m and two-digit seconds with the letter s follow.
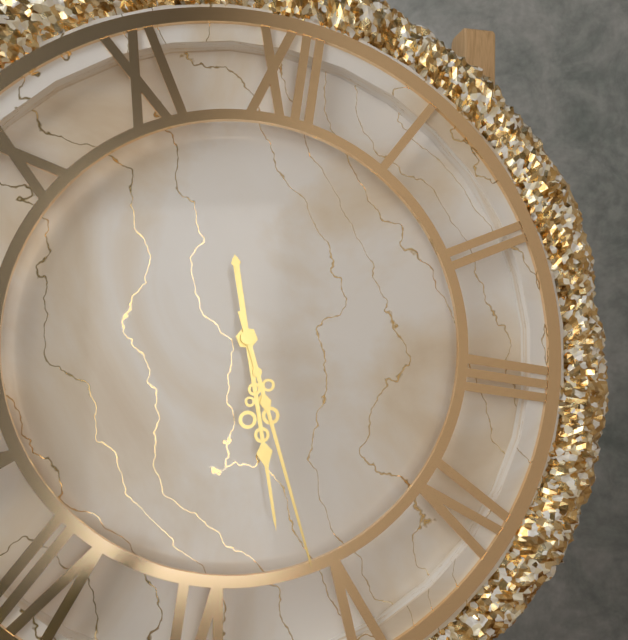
5h26
